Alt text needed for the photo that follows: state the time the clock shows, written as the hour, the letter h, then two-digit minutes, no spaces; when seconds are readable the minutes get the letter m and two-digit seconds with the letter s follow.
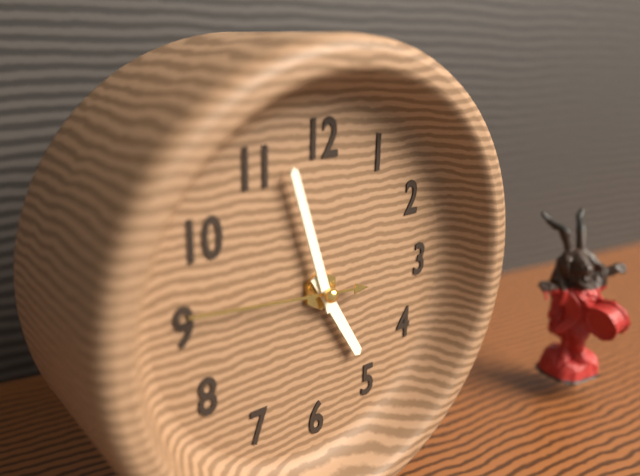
4h57m46s
